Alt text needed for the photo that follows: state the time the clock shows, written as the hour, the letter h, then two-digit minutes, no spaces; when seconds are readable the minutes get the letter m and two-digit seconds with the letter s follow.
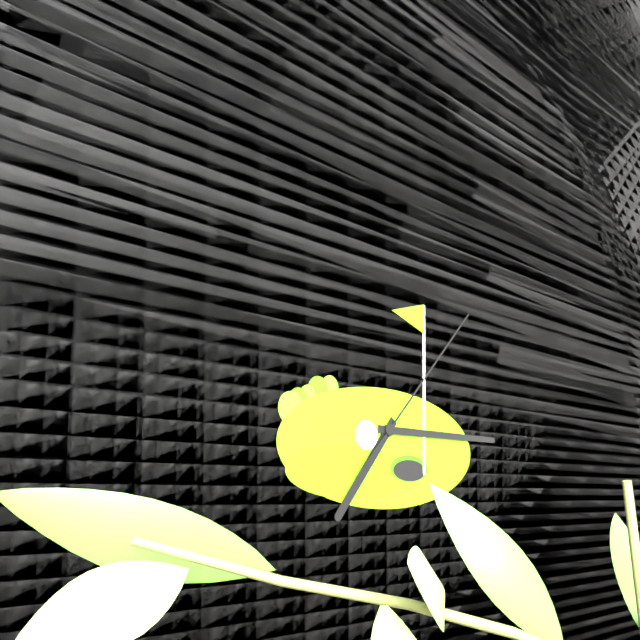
7h15m07s
